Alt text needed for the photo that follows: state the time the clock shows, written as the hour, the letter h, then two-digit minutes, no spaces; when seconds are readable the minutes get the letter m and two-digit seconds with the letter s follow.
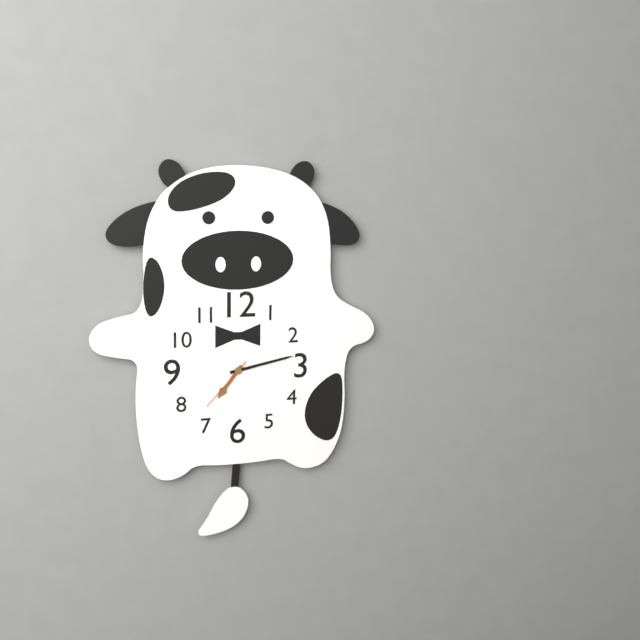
7h13m37s
